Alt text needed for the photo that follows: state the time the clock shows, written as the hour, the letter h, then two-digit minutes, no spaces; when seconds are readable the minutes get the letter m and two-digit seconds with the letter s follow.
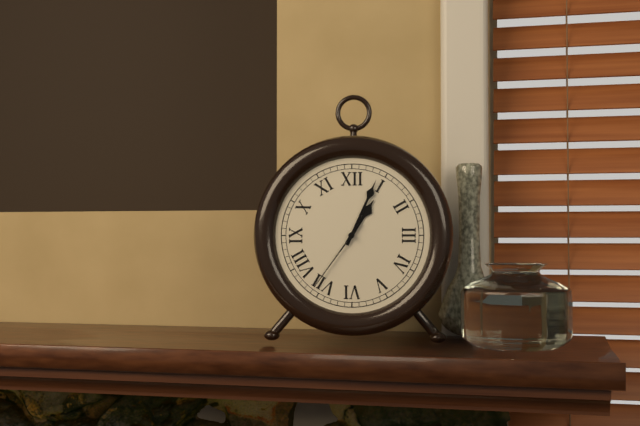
1h04m36s
